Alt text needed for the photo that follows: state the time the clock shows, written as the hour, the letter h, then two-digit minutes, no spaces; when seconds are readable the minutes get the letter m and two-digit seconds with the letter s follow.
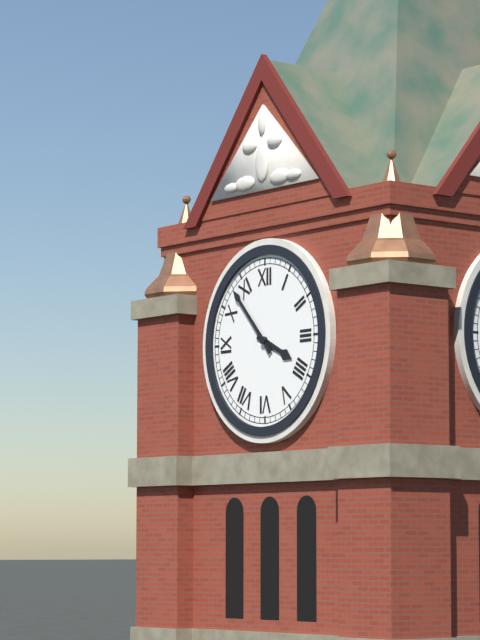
3h53
